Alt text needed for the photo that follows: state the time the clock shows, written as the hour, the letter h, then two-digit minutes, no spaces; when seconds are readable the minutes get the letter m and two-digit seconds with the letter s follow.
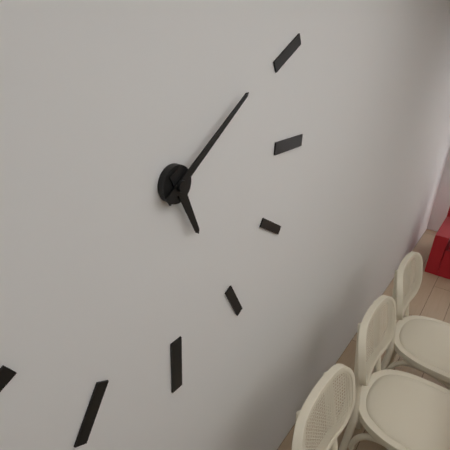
5h09
